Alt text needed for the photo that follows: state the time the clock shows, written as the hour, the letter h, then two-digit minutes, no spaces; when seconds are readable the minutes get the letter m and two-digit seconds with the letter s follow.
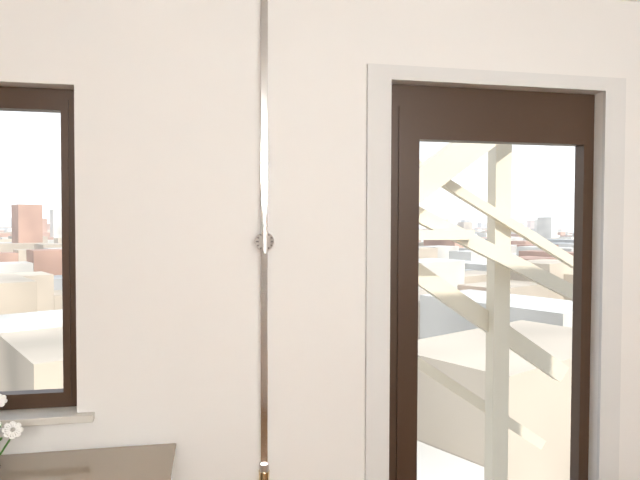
12h00
